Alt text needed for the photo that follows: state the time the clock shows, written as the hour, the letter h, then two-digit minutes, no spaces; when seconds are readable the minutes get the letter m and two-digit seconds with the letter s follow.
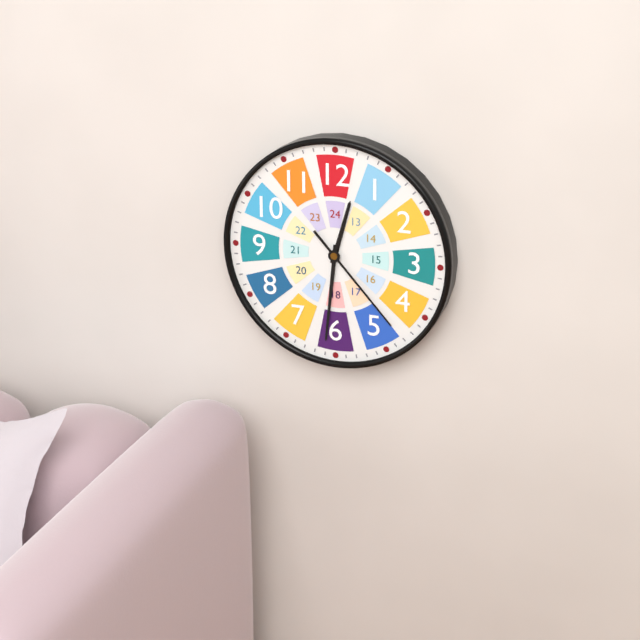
12h31m23s
